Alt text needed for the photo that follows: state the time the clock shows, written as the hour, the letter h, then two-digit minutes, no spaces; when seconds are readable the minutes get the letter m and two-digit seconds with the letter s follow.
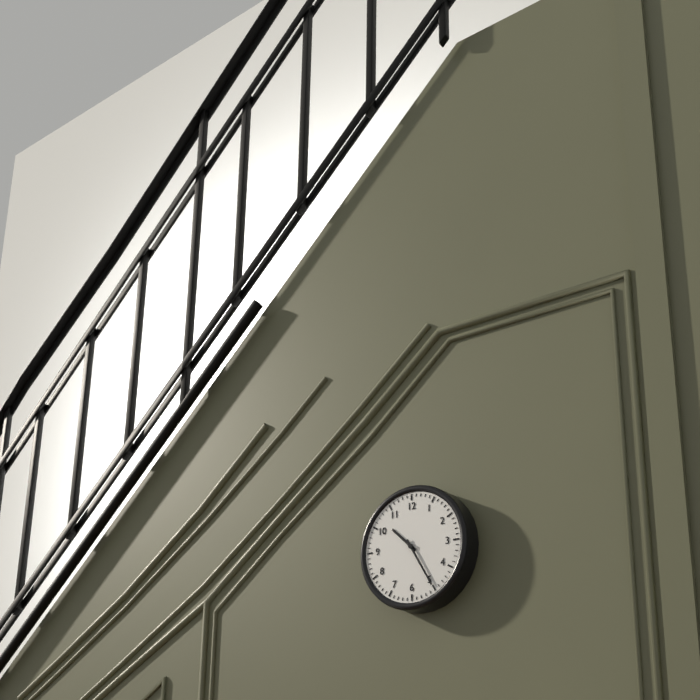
10h25
